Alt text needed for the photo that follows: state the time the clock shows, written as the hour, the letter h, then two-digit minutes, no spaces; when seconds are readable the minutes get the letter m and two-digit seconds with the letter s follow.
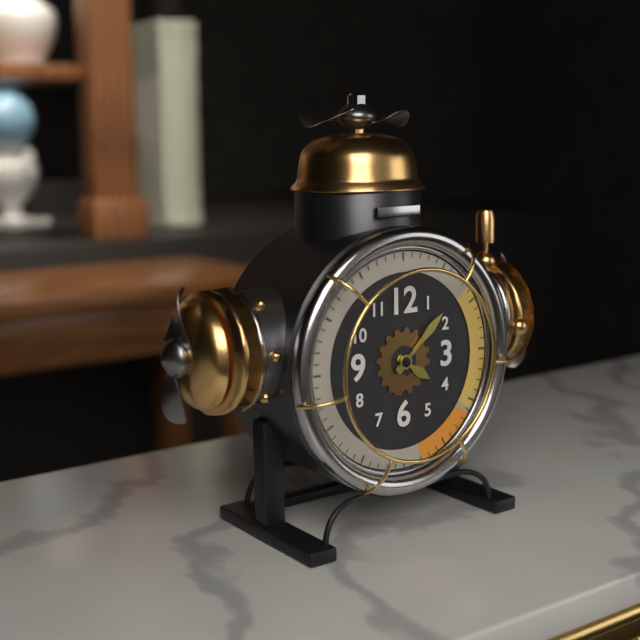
4h08
